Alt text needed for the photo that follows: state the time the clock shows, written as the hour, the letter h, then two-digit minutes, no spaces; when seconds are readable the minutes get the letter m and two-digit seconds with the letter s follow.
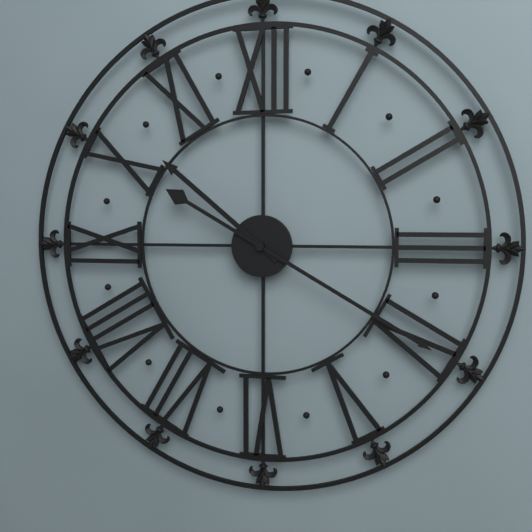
10h20
